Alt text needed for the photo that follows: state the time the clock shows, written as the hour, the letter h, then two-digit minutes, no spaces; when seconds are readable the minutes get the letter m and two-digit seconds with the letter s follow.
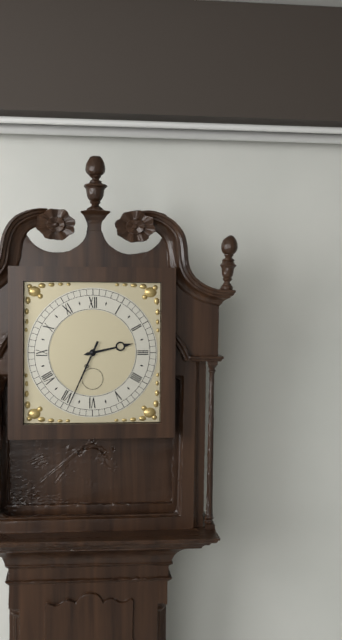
2h34
